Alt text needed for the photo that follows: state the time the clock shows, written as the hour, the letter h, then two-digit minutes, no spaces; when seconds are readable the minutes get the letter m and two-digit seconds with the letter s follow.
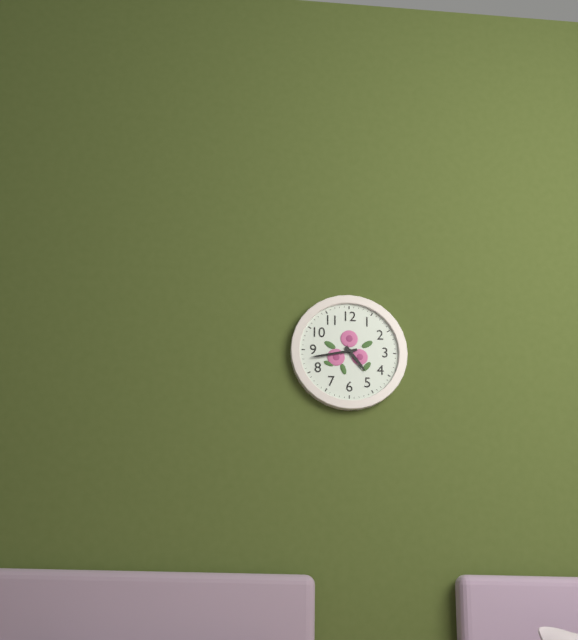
4h43
